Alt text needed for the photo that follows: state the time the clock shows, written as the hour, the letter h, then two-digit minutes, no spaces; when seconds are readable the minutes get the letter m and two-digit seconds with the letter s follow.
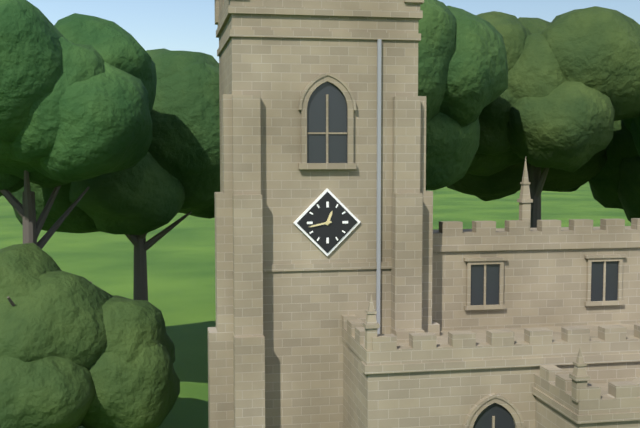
12h43
